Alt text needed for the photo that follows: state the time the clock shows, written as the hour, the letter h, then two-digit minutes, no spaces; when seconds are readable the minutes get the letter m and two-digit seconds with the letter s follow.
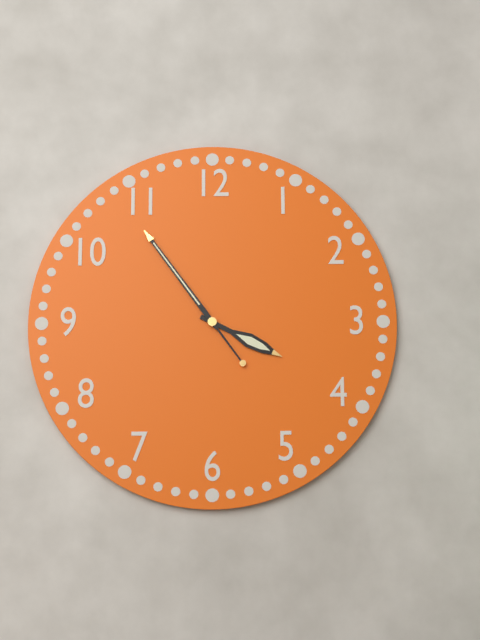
3h54
